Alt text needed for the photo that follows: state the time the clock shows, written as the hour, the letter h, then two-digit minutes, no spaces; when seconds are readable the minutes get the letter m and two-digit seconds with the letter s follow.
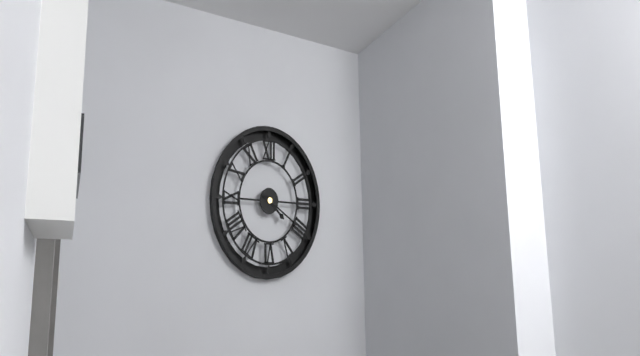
4h20
